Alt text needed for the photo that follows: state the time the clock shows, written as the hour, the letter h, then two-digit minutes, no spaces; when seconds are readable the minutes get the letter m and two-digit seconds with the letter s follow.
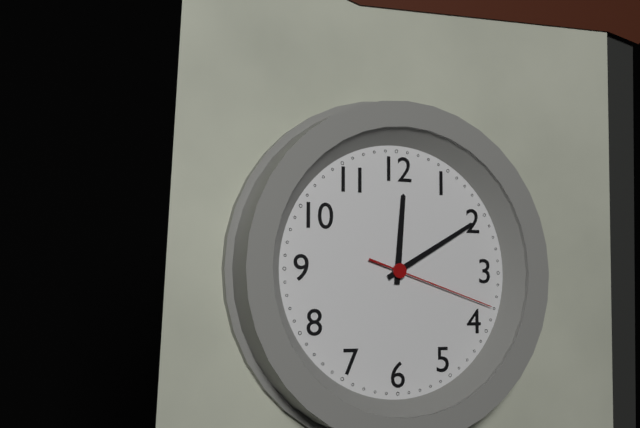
12h10m18s
